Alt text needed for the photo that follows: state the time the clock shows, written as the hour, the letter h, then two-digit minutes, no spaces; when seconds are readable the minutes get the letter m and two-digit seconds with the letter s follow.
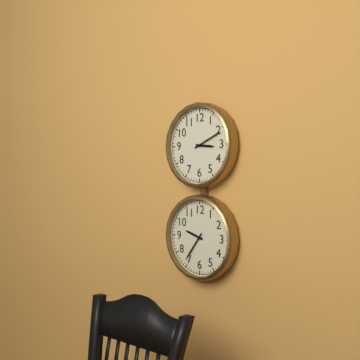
3h11
